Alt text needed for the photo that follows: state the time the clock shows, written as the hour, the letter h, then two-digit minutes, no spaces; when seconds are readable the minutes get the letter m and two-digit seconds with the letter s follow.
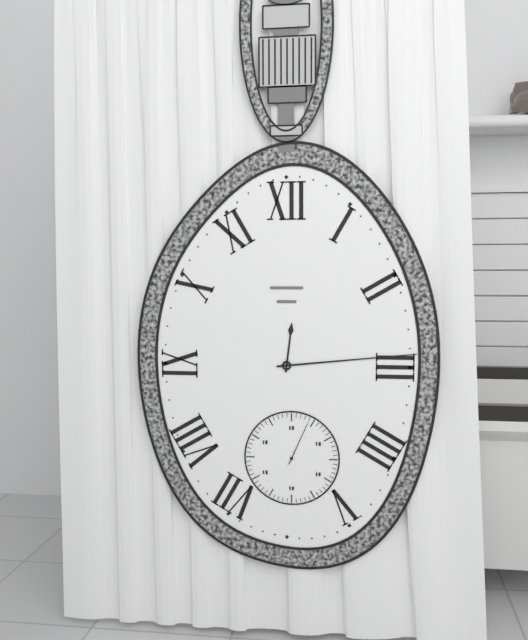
12h14
